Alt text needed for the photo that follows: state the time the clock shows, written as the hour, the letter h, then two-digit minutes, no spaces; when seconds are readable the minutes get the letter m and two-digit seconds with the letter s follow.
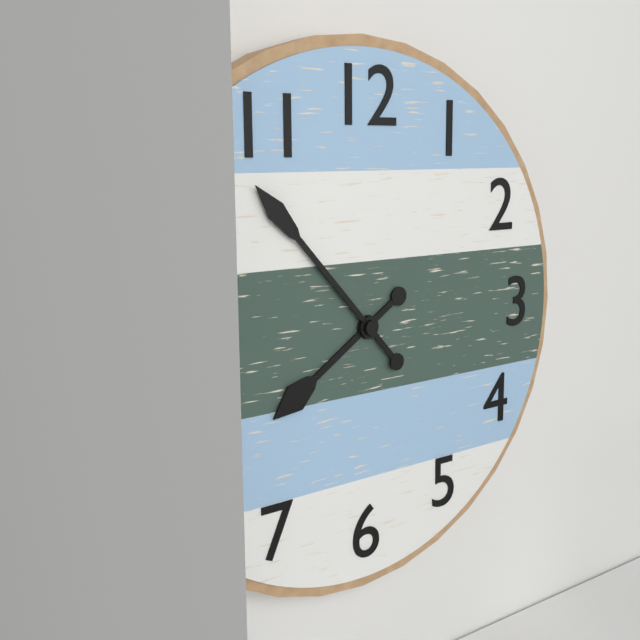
7h53
